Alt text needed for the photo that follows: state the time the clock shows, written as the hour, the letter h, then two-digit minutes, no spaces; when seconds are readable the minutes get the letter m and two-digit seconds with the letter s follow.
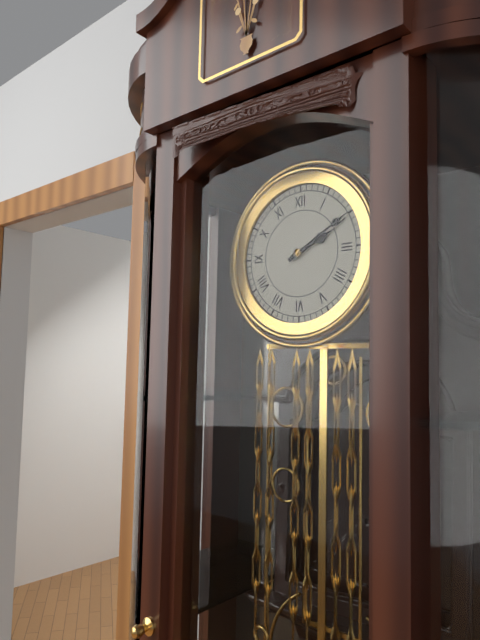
2h10
